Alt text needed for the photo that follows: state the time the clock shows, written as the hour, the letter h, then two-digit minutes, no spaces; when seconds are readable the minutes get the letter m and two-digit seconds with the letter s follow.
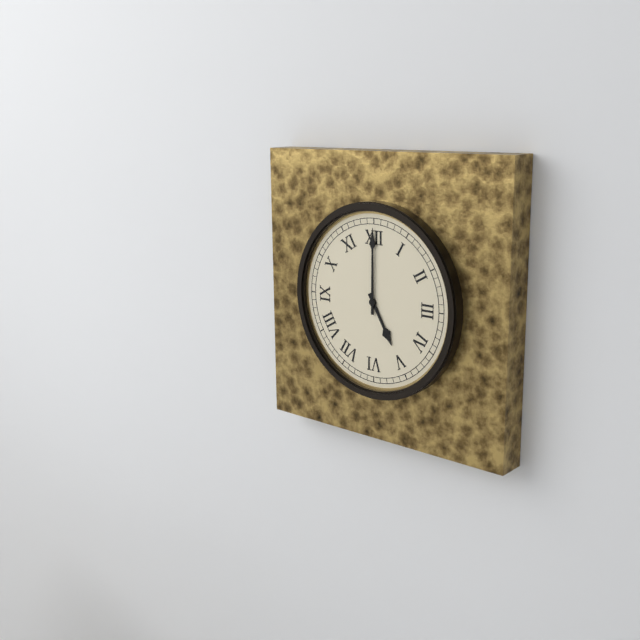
5h00
